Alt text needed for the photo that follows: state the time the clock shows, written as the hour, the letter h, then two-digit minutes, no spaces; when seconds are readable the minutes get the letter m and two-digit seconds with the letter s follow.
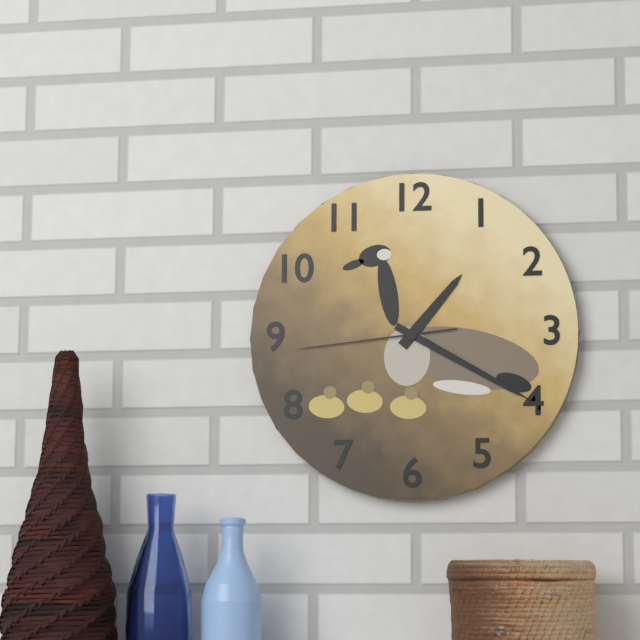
1h20m44s
